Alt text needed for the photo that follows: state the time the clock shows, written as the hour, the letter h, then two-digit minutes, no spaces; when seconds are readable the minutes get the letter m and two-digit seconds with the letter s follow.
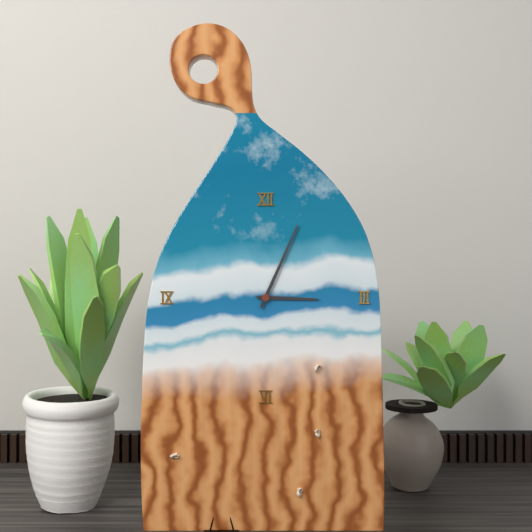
3h04
